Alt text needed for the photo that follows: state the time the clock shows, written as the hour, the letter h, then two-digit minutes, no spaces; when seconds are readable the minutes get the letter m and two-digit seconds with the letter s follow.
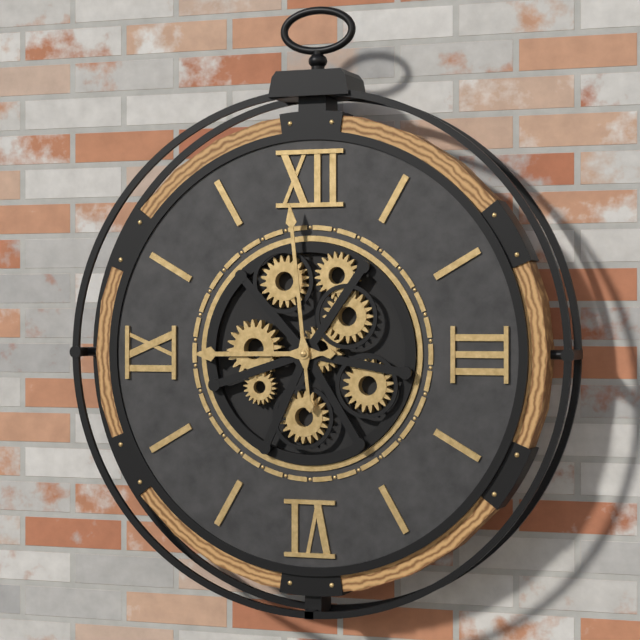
8h59
